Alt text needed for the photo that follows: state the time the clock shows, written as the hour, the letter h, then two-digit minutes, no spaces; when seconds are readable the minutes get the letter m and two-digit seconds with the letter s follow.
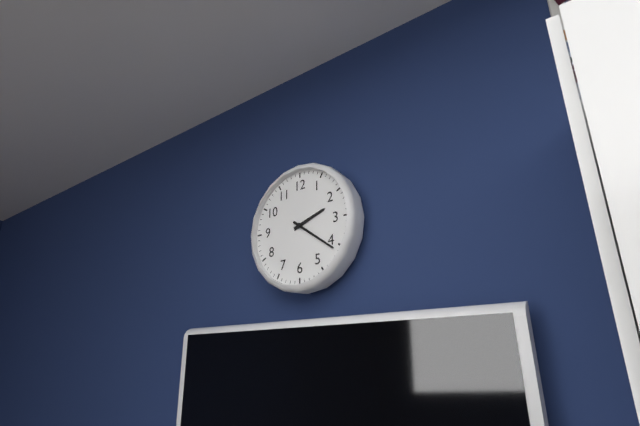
2h21
